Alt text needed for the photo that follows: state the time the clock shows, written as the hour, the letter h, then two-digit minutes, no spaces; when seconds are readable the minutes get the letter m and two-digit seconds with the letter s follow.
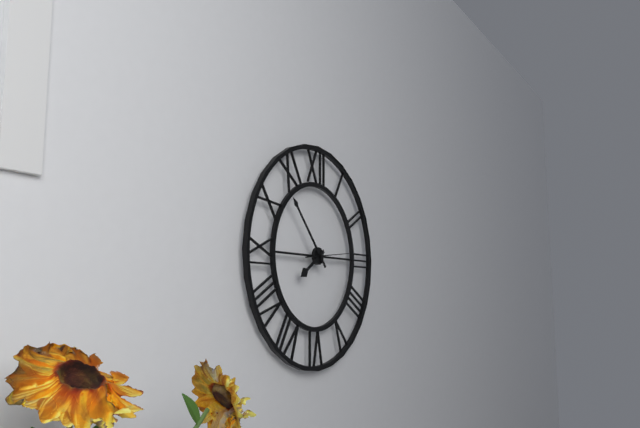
7h53
